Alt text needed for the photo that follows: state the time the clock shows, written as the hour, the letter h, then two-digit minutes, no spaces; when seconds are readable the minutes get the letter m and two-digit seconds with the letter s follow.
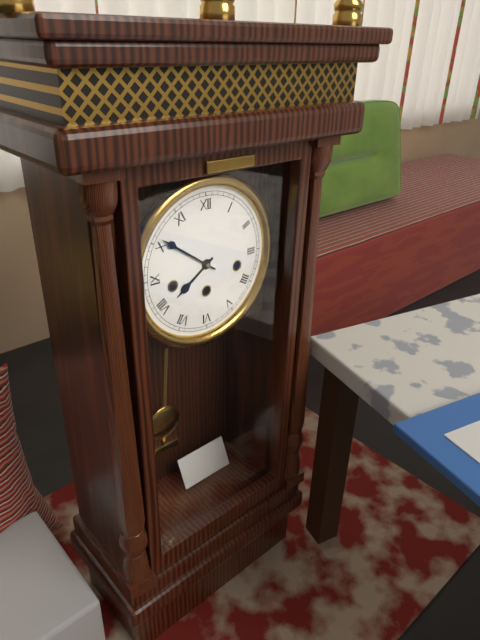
7h51
